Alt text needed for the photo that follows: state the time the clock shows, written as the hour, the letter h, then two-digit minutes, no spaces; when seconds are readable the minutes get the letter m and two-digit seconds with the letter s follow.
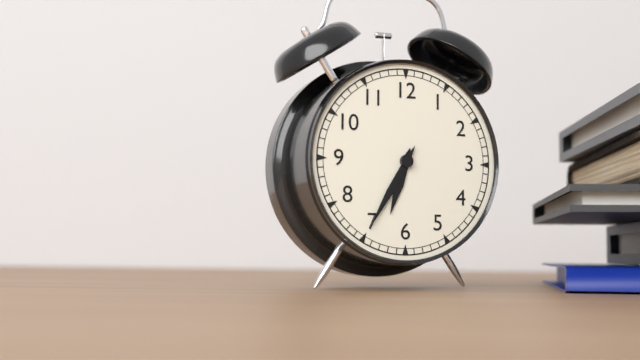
6h35
